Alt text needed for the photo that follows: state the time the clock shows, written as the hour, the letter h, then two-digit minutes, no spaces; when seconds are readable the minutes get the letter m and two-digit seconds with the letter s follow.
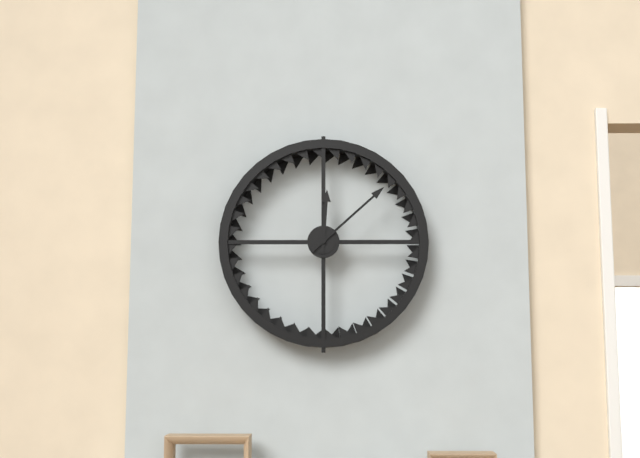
12h08
